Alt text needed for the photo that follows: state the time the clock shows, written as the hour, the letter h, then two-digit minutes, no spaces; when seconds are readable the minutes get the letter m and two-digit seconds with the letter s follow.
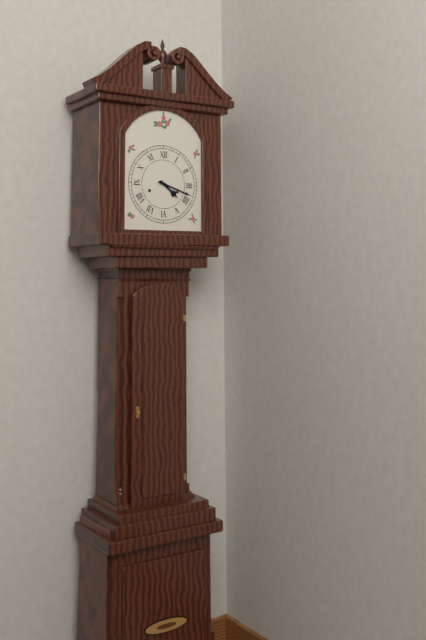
4h18
